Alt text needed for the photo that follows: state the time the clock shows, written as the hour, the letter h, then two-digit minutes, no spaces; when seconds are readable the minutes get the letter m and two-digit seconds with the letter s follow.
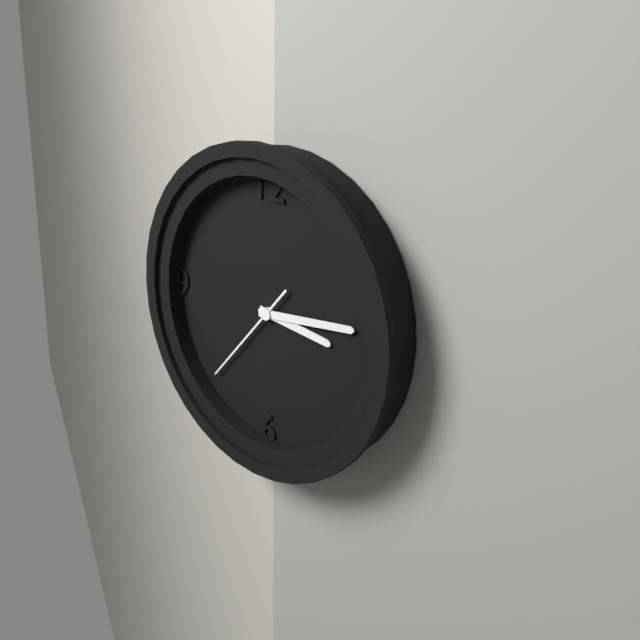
3h14m37s
